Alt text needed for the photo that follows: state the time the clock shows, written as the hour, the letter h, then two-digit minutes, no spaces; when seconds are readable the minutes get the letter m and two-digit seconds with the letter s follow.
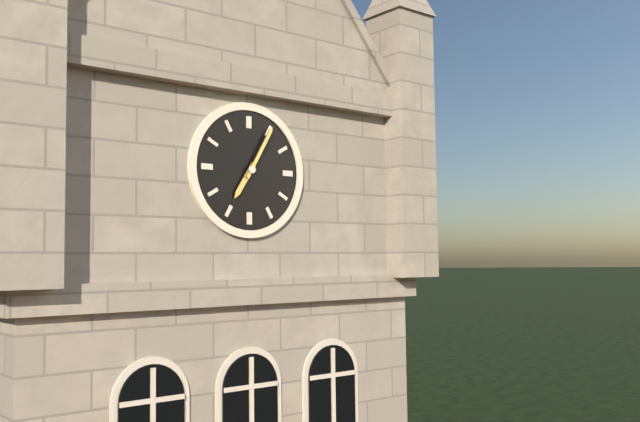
7h05
